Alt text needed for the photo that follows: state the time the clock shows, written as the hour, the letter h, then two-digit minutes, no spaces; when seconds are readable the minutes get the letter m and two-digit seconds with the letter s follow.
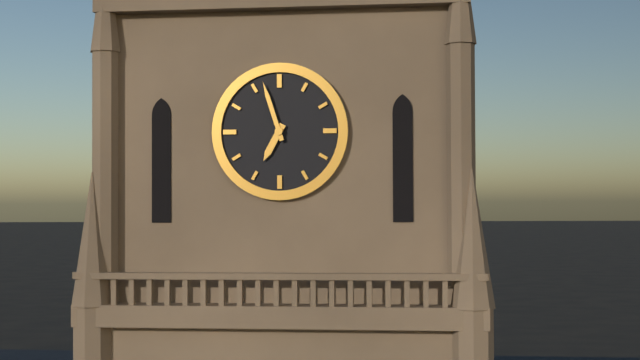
6h57
